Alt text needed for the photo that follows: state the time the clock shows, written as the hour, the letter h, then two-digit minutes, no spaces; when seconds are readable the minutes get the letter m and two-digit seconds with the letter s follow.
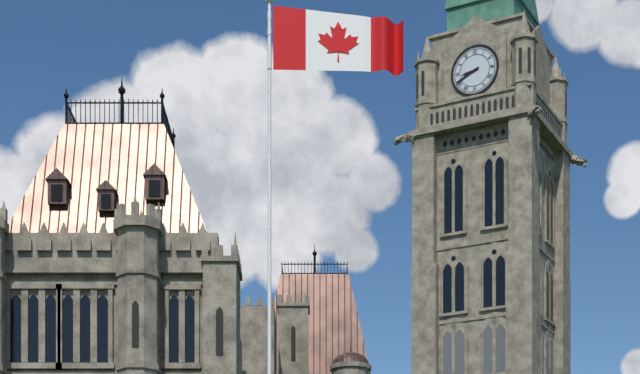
8h41
